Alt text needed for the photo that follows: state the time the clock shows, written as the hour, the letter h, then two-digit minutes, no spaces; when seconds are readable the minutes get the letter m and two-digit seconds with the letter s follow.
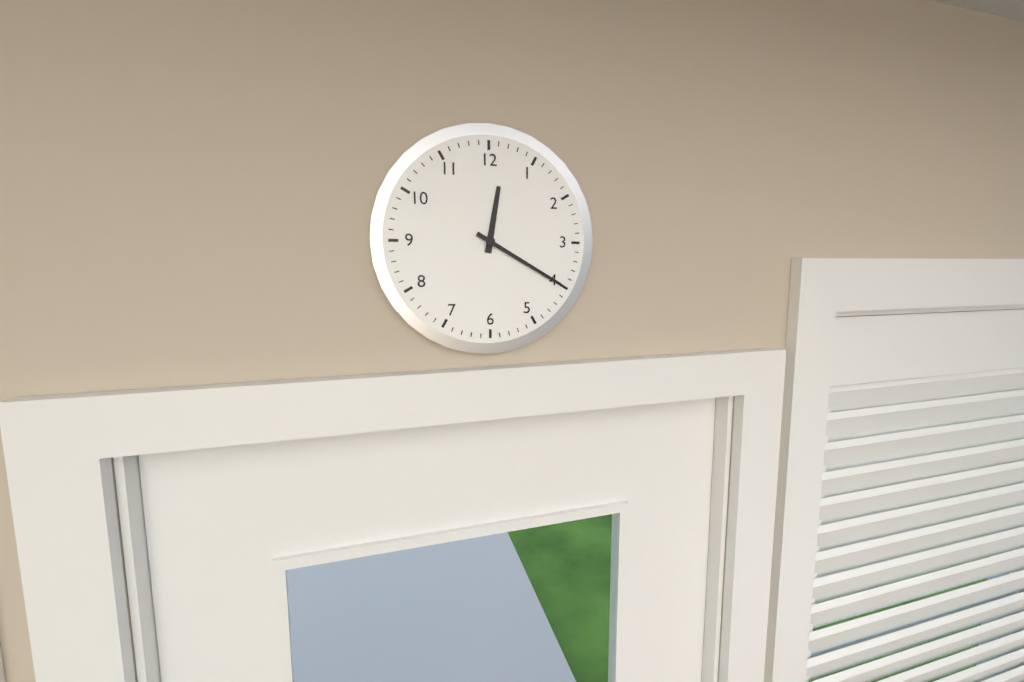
12h20
